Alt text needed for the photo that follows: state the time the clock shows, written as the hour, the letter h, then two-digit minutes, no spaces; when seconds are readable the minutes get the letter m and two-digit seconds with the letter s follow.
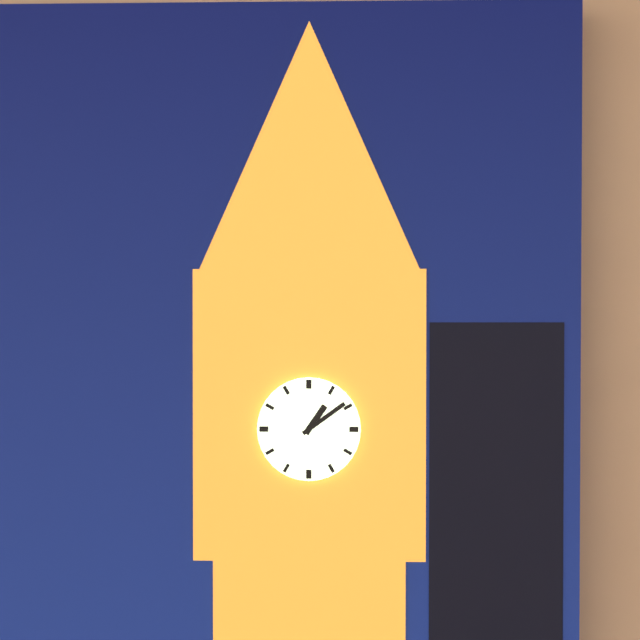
1h09
